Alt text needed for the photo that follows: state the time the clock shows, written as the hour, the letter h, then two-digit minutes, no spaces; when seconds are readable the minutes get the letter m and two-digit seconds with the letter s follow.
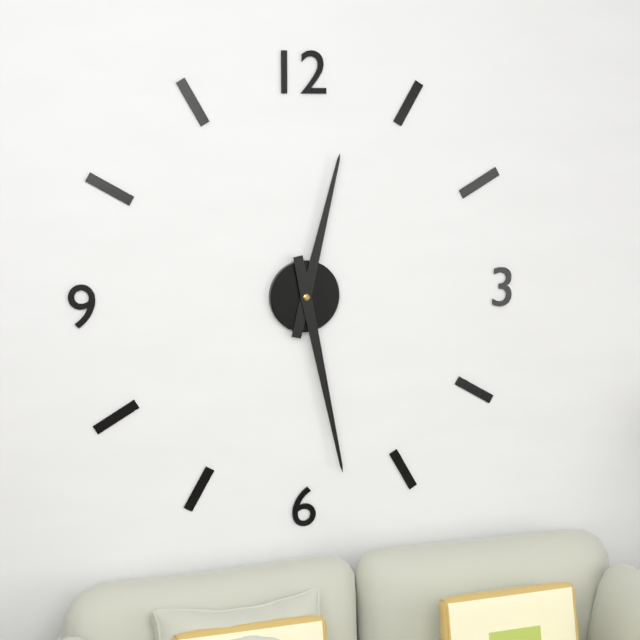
12h28
